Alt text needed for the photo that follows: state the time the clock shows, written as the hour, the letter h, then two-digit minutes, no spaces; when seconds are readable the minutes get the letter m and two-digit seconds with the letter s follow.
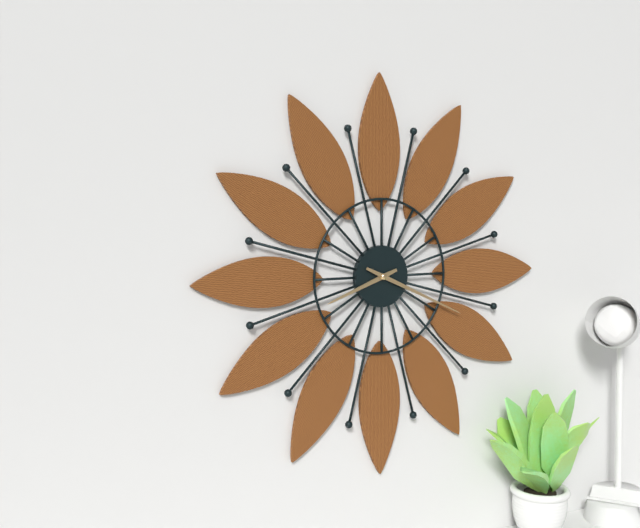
8h19
